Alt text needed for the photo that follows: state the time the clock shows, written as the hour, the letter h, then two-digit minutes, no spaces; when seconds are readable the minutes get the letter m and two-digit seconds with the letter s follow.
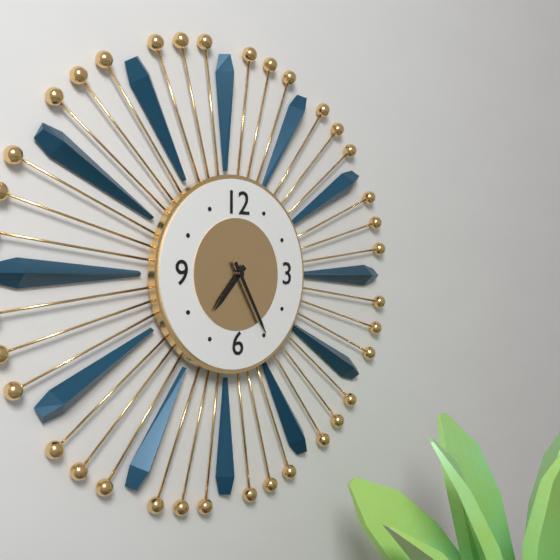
7h25
